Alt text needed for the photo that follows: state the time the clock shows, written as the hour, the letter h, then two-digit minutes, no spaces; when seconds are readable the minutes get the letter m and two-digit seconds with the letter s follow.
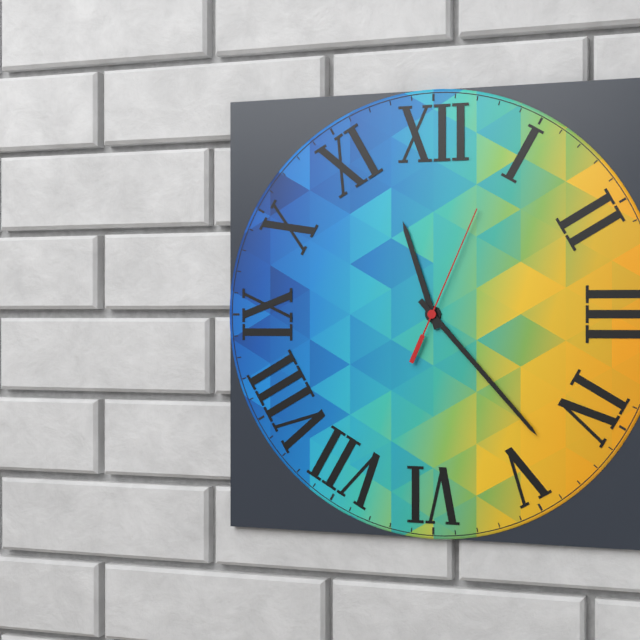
11h23m04s
